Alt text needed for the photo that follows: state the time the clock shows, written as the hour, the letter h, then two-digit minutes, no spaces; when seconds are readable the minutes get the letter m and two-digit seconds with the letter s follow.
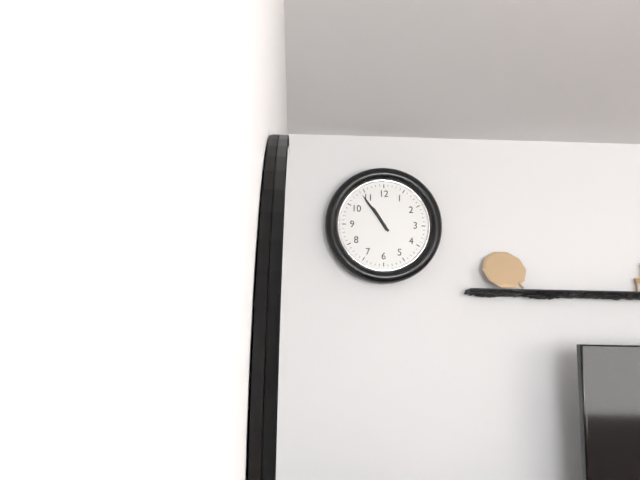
10h54
